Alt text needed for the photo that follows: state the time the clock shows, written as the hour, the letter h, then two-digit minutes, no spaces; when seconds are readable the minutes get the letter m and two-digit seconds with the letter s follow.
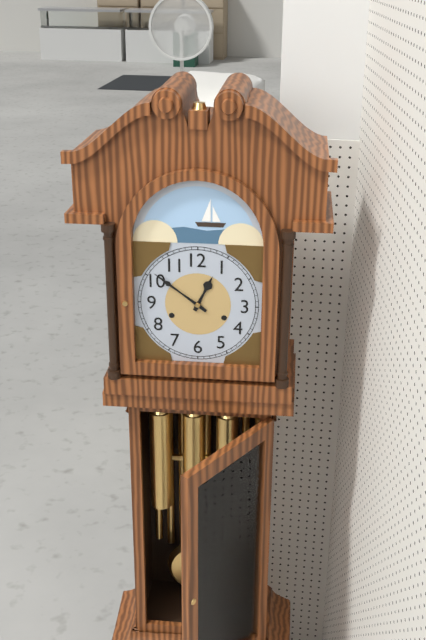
12h51
